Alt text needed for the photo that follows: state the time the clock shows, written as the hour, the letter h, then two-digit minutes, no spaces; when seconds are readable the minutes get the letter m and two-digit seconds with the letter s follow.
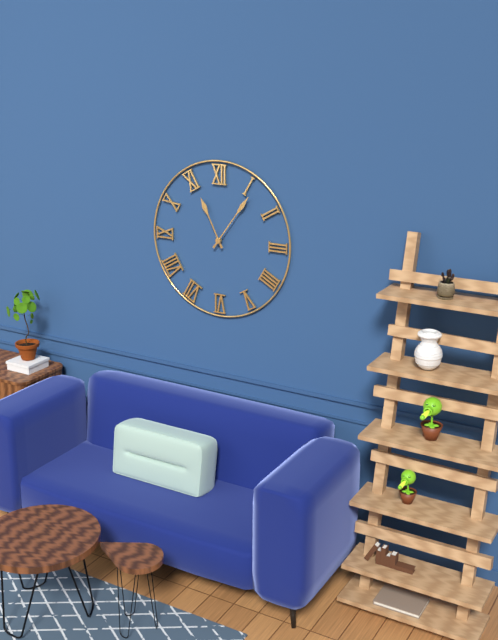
11h06
